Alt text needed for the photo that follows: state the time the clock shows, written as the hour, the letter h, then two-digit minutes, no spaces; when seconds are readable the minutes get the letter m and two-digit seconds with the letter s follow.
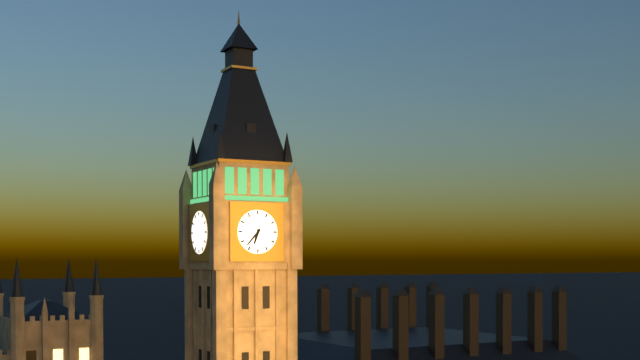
6h37
